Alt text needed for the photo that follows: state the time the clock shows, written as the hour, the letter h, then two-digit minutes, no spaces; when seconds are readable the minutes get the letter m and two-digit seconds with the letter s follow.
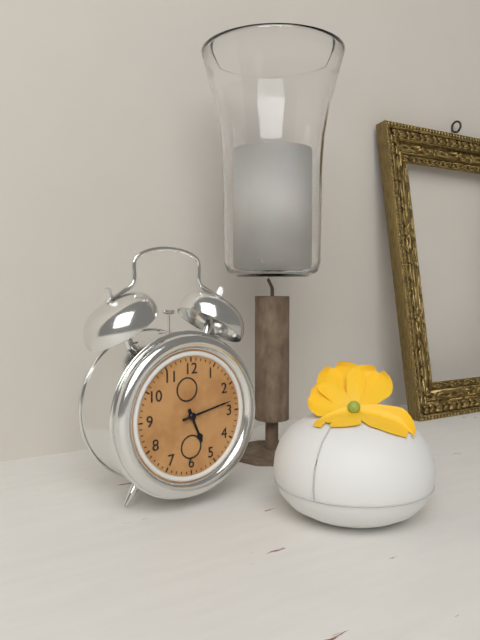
5h13
